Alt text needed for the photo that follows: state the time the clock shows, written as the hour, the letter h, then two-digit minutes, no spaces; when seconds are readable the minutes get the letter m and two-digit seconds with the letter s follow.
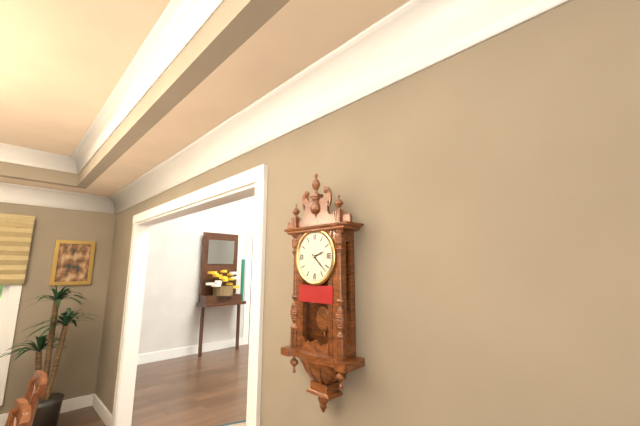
2h22
